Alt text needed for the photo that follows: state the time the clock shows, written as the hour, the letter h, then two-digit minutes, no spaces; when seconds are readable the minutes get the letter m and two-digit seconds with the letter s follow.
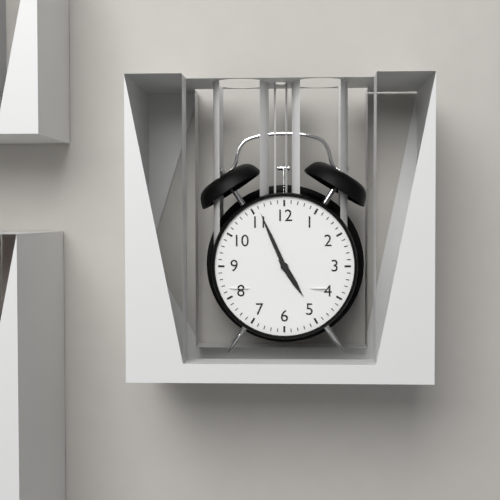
4h56
